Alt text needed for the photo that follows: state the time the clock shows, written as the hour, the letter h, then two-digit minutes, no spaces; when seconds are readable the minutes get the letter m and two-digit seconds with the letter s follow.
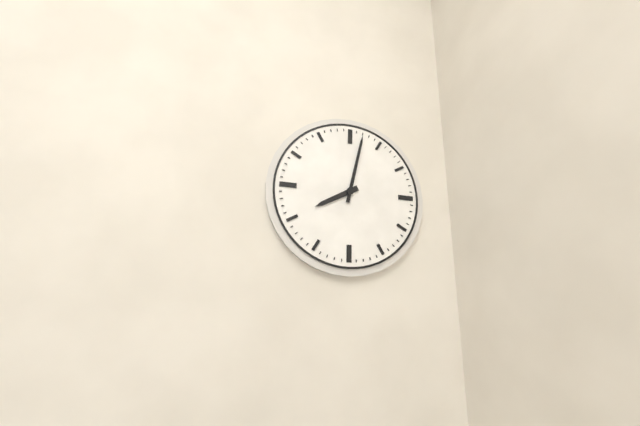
8h02
